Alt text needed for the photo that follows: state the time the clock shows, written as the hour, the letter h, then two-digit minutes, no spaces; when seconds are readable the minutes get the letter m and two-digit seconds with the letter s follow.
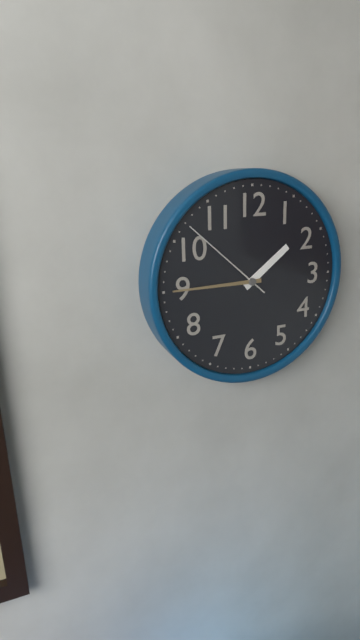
1h45m52s
